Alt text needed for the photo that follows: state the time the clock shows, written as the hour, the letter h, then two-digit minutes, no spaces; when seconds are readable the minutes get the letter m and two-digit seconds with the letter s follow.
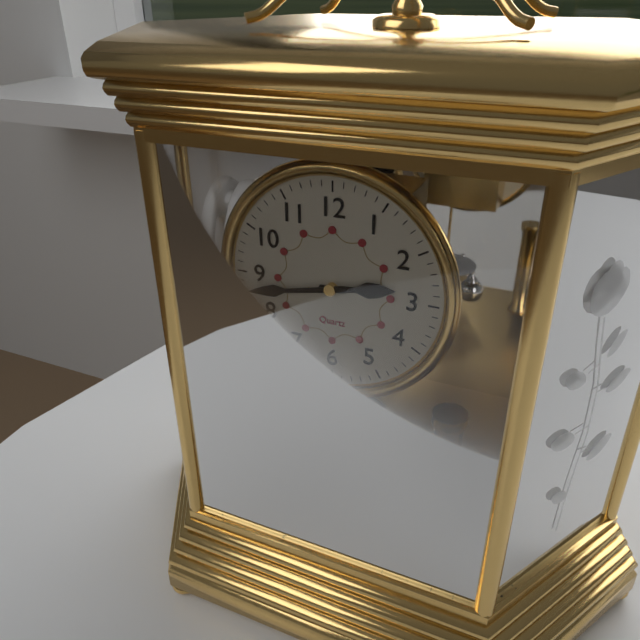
2h43
